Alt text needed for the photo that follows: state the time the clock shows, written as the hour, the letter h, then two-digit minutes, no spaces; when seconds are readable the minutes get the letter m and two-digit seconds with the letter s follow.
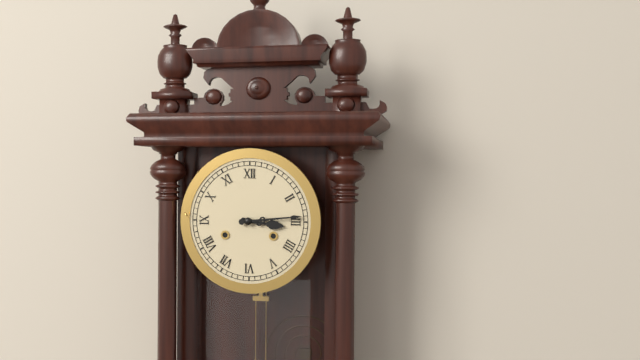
3h14
